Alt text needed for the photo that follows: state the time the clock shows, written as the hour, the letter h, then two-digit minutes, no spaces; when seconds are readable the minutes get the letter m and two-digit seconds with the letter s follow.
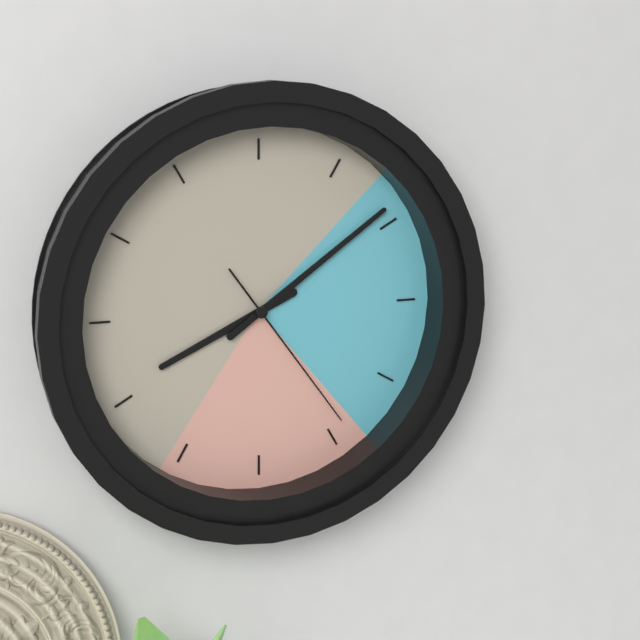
8h09m24s
